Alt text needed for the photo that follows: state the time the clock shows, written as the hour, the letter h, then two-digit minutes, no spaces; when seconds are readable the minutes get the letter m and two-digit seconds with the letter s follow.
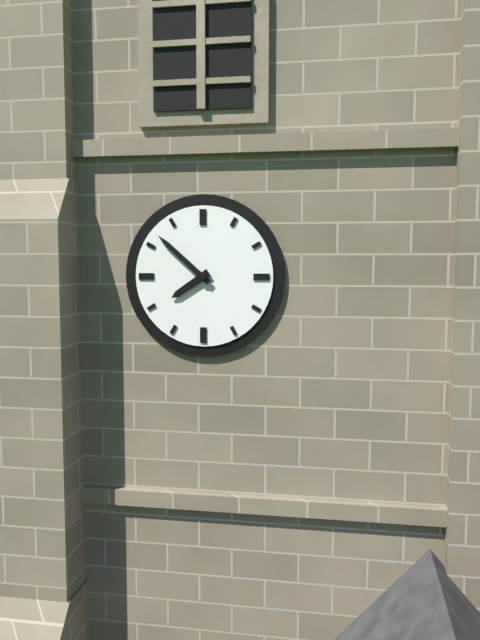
7h52
